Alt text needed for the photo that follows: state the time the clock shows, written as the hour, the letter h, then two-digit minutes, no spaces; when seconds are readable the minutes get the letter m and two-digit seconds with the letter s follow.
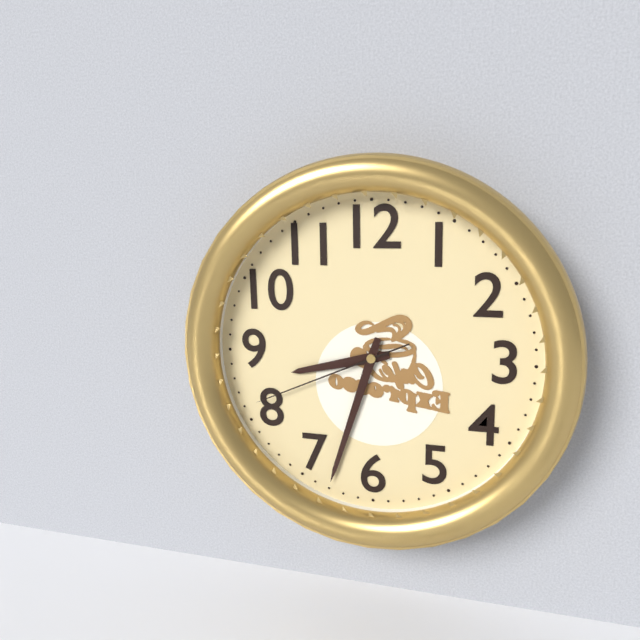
8h33m41s
